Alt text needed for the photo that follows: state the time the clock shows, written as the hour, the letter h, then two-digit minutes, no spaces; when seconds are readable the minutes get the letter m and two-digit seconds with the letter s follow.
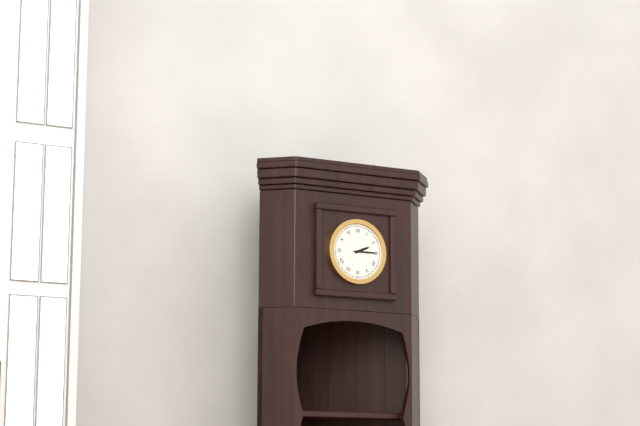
2h15
